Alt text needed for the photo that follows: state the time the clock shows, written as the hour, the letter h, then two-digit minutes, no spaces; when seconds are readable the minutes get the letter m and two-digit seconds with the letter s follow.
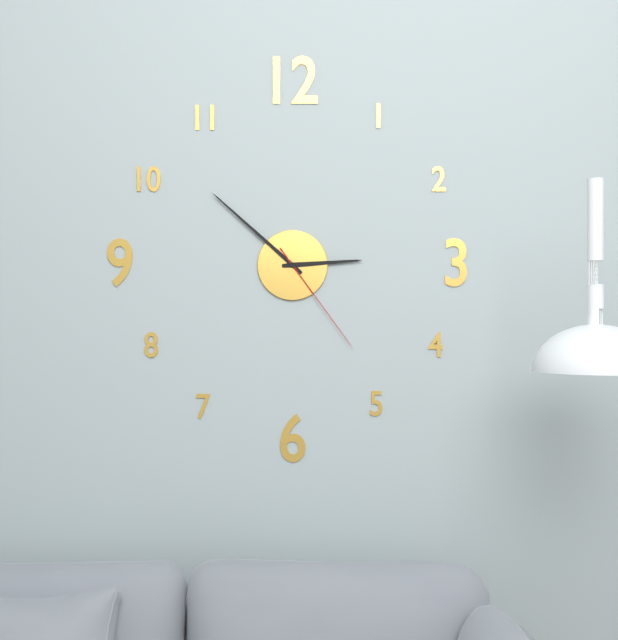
2h52m24s
